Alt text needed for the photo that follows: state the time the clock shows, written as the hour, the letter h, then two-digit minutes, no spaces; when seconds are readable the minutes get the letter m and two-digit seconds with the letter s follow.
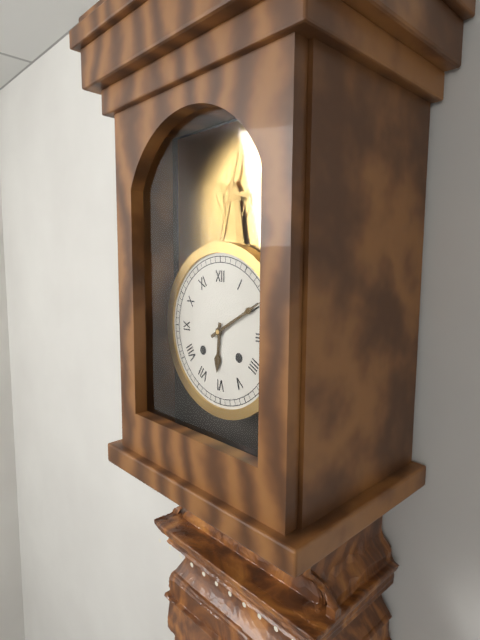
6h10
